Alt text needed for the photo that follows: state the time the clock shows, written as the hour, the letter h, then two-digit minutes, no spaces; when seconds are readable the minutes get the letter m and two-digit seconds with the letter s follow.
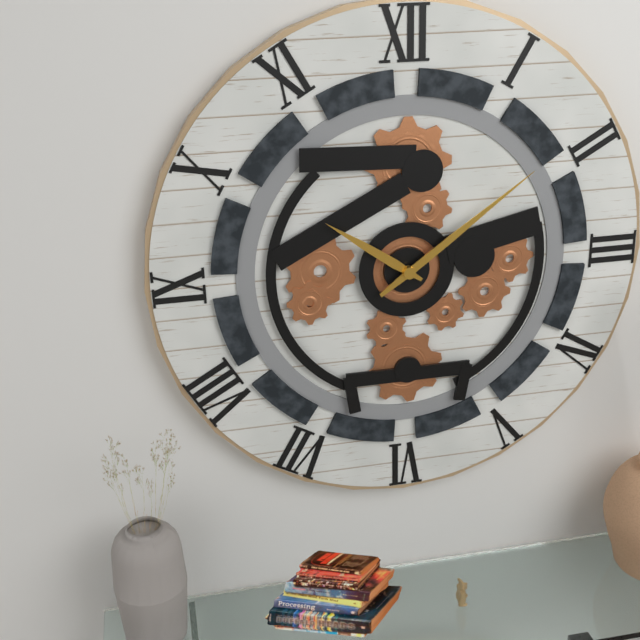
10h09
